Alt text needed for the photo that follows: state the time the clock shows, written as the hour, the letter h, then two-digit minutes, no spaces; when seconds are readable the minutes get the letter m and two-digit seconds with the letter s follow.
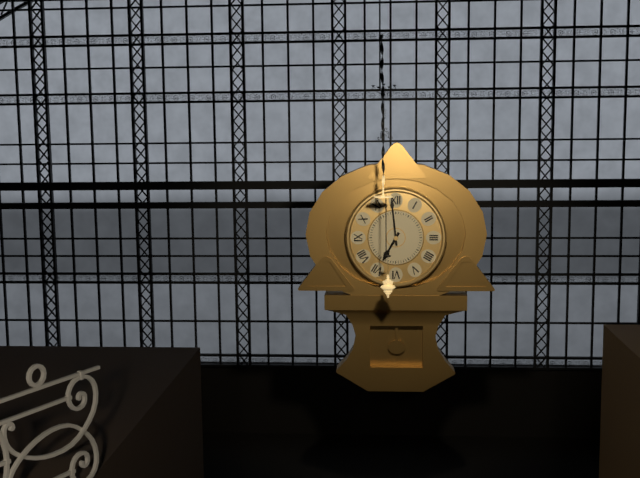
6h59
